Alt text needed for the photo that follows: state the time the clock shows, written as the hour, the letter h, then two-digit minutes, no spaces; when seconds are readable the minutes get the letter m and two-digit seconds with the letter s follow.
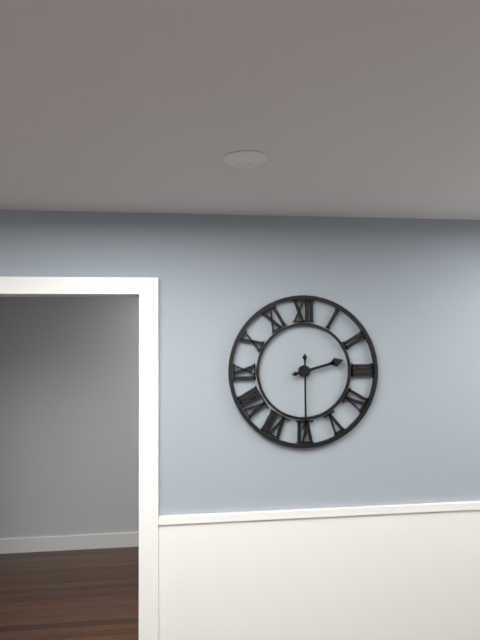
2h30
